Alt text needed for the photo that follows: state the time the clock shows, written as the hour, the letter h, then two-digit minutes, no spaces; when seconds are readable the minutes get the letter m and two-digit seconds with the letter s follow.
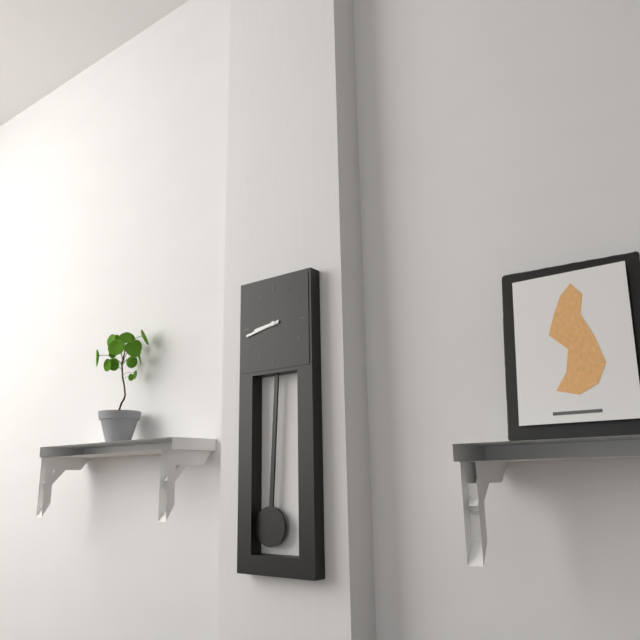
8h43
